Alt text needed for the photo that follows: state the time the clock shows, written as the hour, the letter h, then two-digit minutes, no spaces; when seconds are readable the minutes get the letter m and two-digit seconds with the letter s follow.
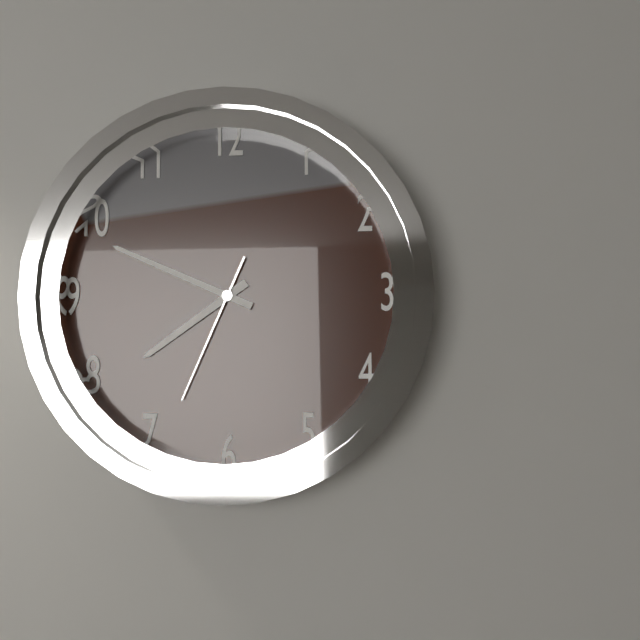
7h49m34s
